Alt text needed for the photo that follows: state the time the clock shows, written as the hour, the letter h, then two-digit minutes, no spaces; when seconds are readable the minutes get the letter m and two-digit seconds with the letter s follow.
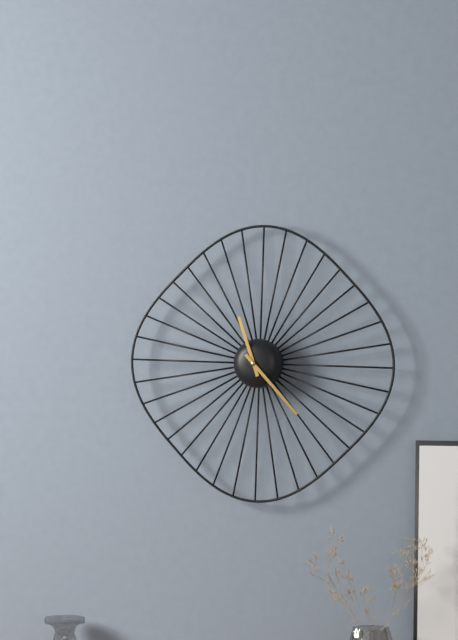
11h23
